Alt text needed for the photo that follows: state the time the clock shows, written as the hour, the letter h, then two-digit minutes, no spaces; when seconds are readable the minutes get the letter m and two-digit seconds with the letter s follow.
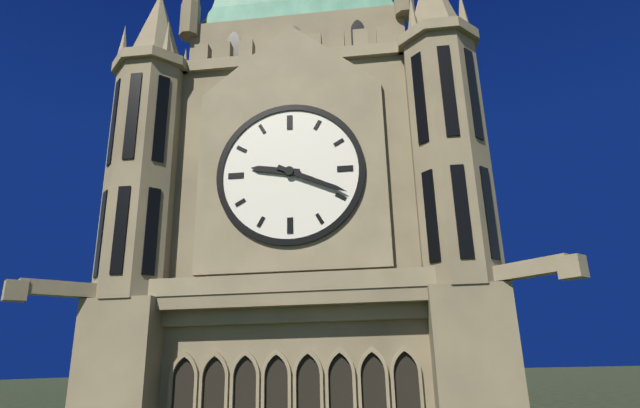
9h19
